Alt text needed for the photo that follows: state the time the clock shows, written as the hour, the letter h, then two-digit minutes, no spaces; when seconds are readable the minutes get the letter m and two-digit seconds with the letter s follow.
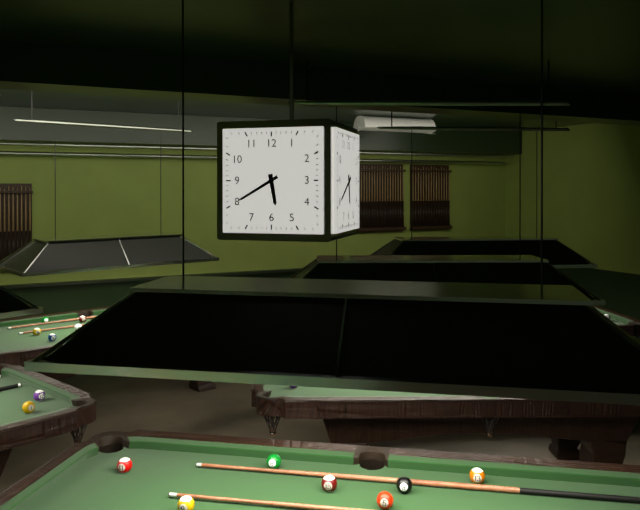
5h40
